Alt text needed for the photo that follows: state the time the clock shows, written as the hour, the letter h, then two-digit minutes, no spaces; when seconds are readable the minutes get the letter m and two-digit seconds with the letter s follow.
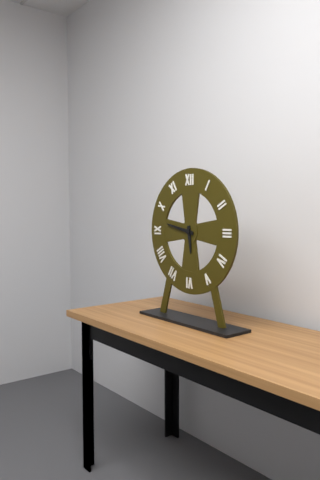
5h47
